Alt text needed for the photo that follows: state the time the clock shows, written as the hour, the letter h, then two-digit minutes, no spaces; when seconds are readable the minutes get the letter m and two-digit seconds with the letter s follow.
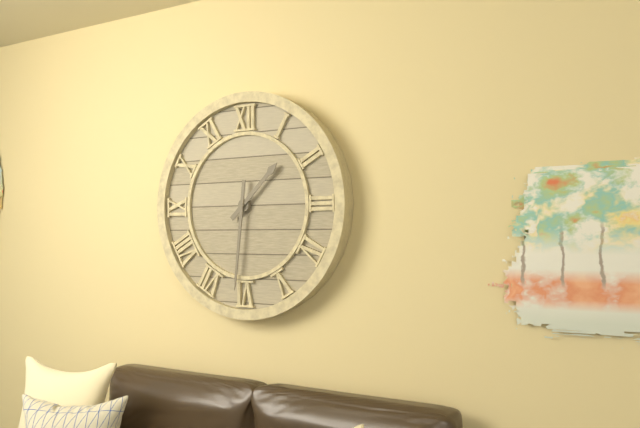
1h31
